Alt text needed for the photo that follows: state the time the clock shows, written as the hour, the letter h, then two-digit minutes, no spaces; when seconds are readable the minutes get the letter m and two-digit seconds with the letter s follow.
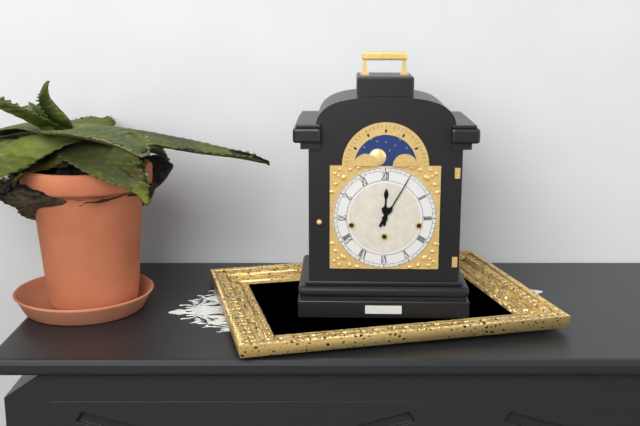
12h05
